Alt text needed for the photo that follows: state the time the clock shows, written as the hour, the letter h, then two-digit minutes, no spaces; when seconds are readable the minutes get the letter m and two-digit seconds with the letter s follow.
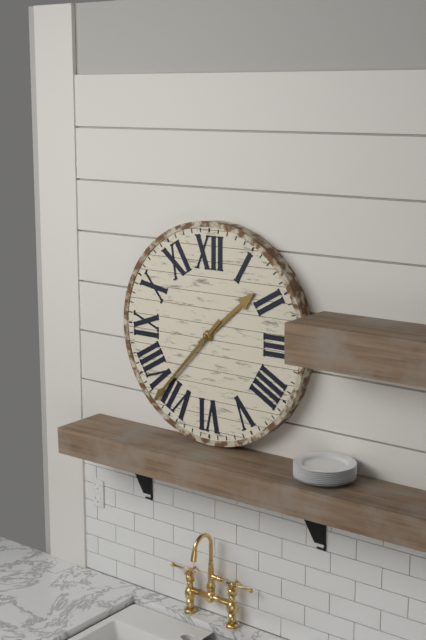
1h37
